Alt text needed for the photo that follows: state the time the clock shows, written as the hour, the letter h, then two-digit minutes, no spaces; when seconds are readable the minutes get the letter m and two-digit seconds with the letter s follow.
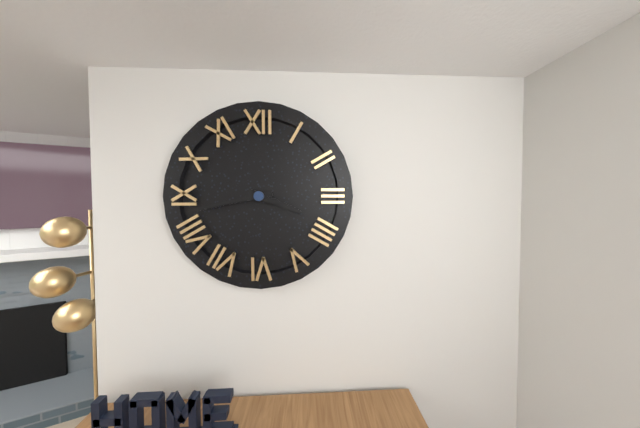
3h43
